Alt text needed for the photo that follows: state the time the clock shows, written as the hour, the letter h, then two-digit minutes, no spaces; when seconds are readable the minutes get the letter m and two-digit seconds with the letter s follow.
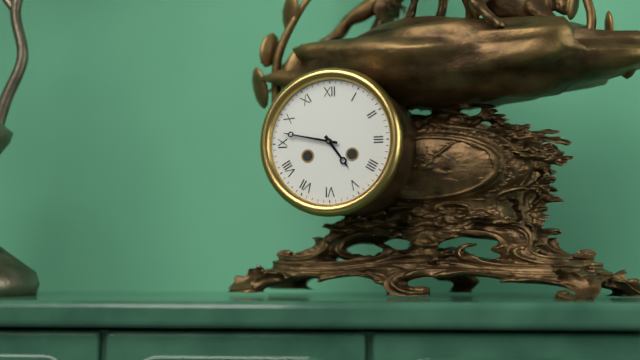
4h47
